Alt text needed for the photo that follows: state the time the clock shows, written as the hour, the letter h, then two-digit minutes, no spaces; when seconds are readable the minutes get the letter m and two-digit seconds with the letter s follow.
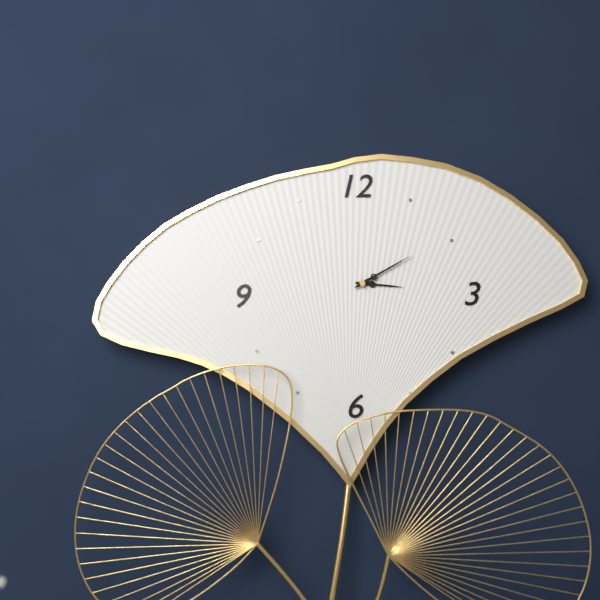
3h10
